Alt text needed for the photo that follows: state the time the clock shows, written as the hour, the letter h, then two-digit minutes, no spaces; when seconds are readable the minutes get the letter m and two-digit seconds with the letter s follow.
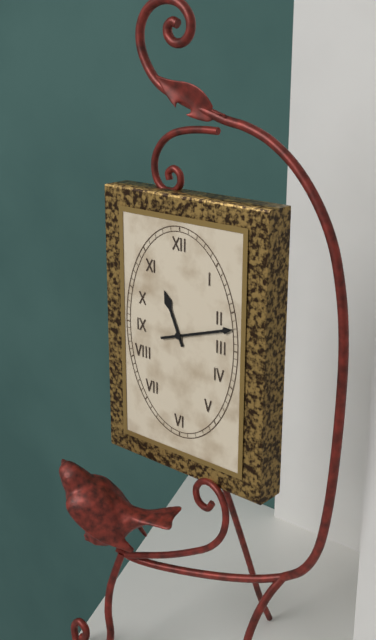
11h12
